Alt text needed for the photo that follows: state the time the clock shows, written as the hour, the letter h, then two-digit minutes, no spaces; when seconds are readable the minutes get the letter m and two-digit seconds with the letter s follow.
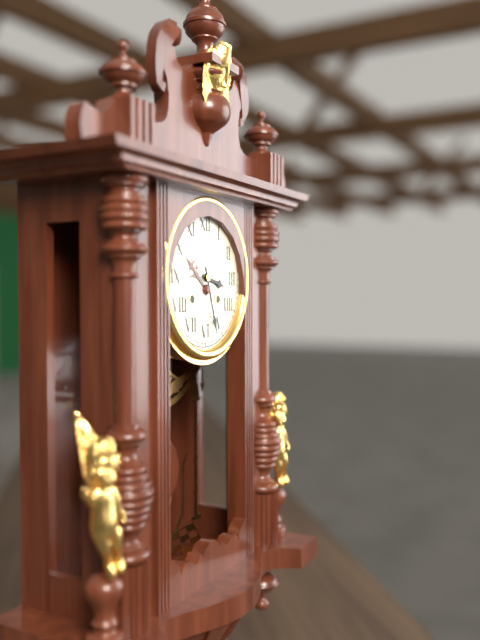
3h27
